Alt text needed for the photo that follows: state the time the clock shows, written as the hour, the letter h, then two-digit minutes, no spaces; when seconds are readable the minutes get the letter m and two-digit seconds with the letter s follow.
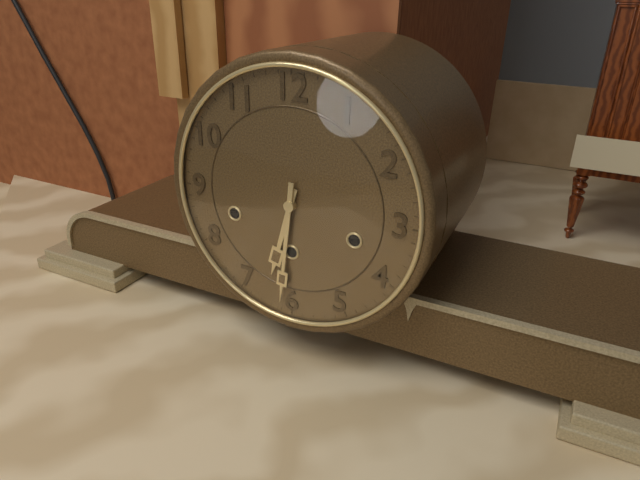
6h31
